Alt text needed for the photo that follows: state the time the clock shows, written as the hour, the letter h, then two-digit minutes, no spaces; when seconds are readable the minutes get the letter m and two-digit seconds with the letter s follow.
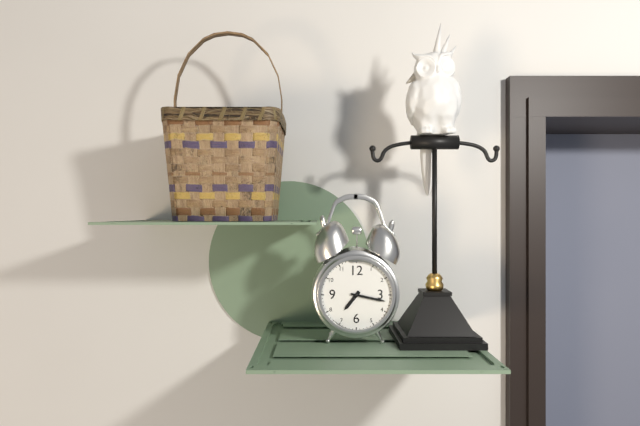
7h17
